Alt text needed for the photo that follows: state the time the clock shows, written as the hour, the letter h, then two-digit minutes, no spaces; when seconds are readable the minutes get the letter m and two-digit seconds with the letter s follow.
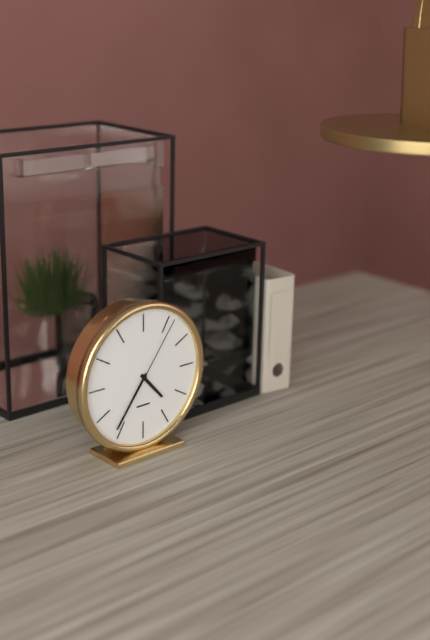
4h36m06s
